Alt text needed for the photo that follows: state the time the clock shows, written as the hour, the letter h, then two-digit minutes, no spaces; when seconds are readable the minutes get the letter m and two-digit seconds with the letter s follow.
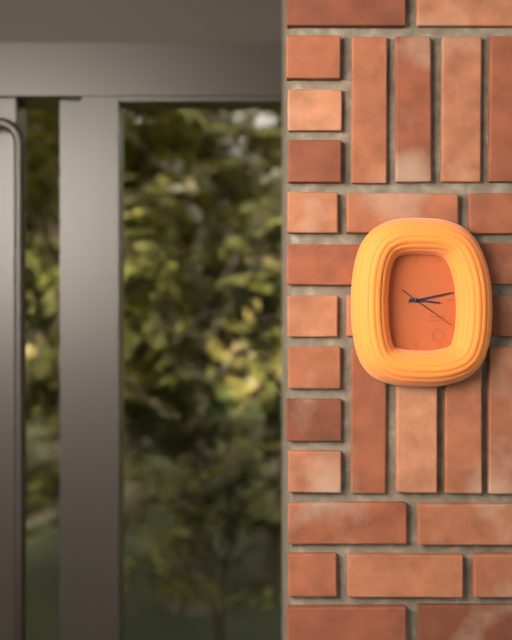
3h13m21s
